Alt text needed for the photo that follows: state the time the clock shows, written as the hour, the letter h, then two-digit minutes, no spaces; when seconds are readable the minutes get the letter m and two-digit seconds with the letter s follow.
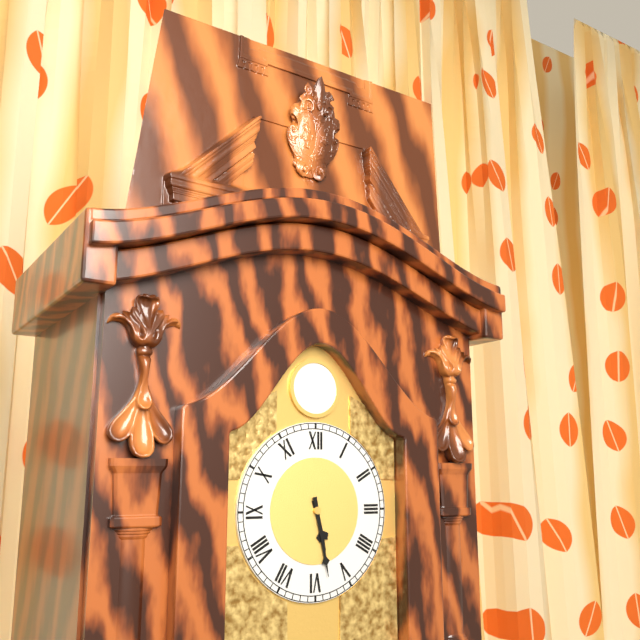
5h28
